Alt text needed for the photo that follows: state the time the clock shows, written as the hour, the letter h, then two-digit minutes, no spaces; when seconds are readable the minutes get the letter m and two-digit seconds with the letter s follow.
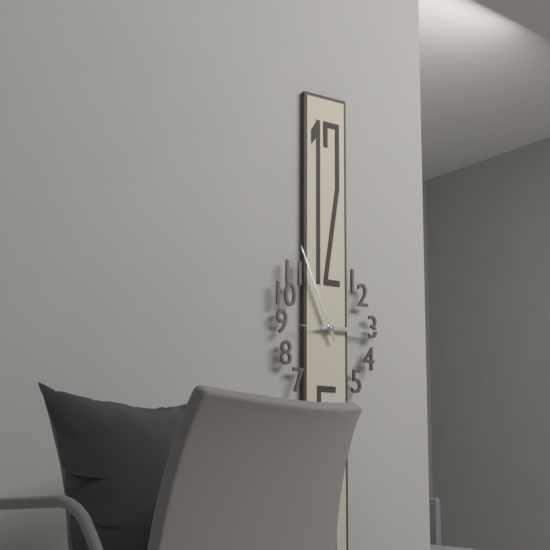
2h56
